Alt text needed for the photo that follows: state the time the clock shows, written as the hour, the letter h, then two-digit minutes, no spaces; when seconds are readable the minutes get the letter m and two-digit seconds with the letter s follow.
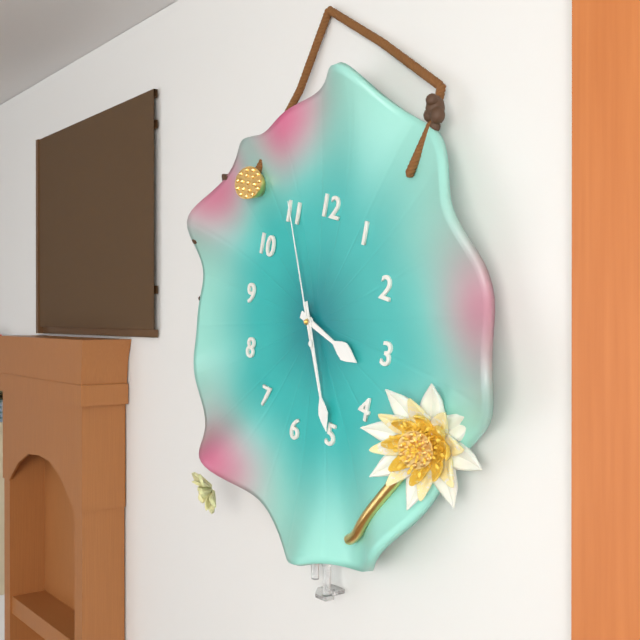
3h25m55s
